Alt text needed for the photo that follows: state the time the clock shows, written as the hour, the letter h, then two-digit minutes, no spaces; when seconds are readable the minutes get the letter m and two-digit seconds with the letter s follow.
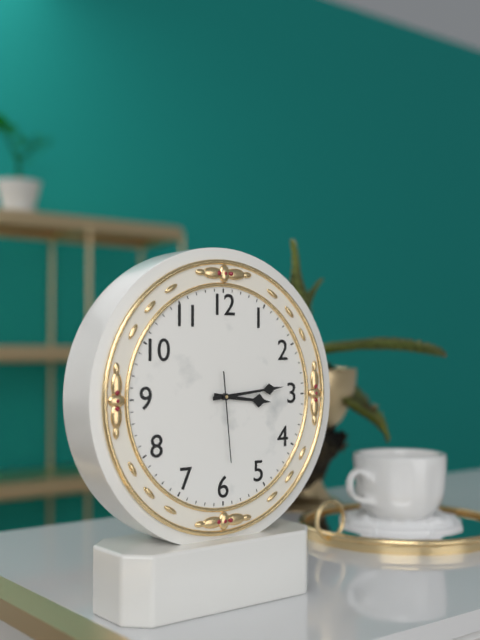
3h14m29s
